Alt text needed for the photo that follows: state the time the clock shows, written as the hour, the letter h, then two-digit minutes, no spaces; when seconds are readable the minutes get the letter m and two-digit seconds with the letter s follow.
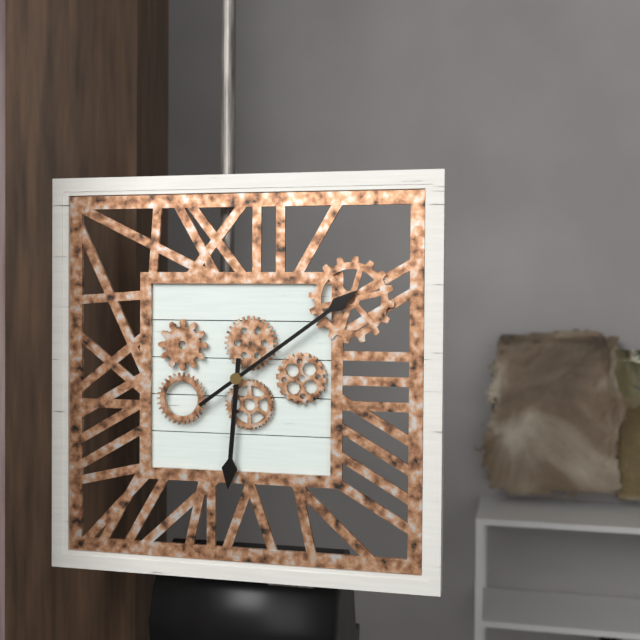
6h09
